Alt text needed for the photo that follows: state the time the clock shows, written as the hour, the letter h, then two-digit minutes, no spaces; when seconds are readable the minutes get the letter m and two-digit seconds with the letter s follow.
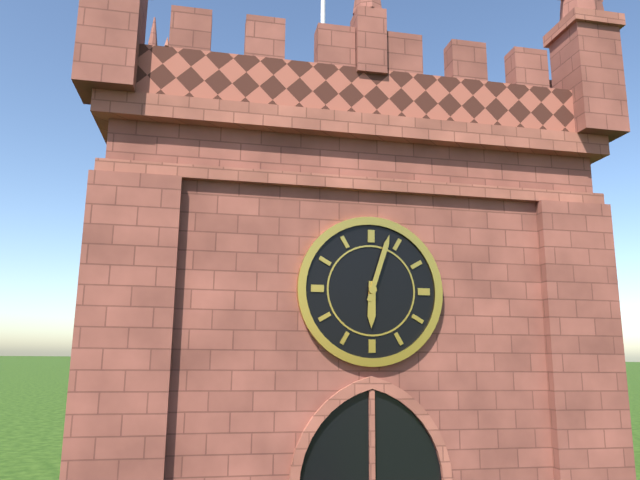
6h03
